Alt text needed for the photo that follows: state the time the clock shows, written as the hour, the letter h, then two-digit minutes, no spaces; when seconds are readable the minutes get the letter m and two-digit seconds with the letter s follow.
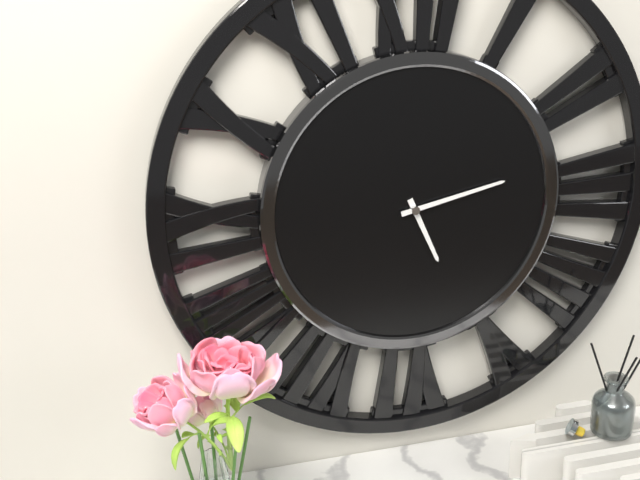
5h13
